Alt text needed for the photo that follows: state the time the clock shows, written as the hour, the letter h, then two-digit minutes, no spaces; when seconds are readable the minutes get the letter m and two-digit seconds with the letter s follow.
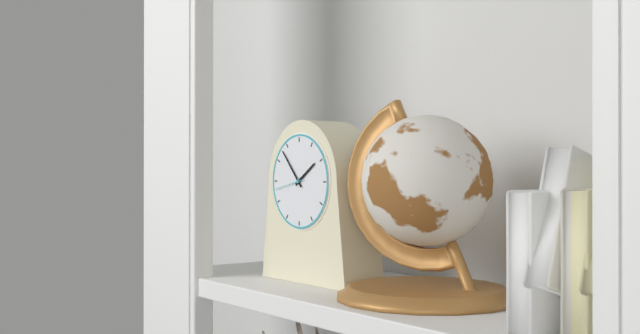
1h53
